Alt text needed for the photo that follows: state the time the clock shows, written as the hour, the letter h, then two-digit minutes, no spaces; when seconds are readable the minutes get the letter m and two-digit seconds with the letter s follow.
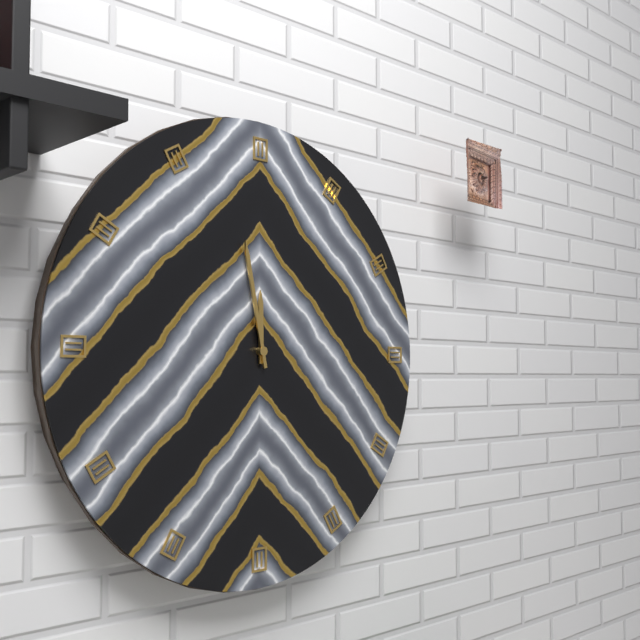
11h58
